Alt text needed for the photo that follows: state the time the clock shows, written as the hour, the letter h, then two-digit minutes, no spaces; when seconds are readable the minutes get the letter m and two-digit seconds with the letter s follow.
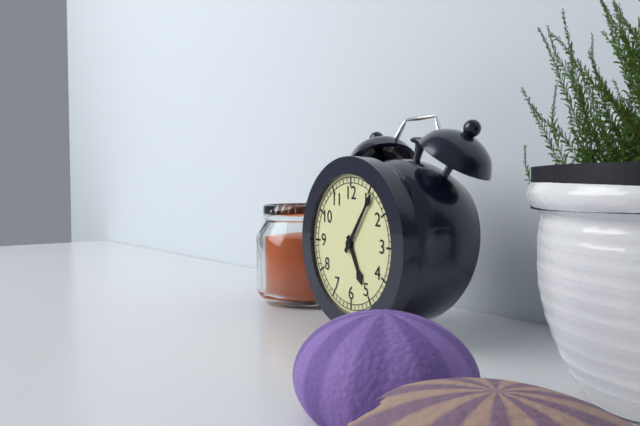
5h06
